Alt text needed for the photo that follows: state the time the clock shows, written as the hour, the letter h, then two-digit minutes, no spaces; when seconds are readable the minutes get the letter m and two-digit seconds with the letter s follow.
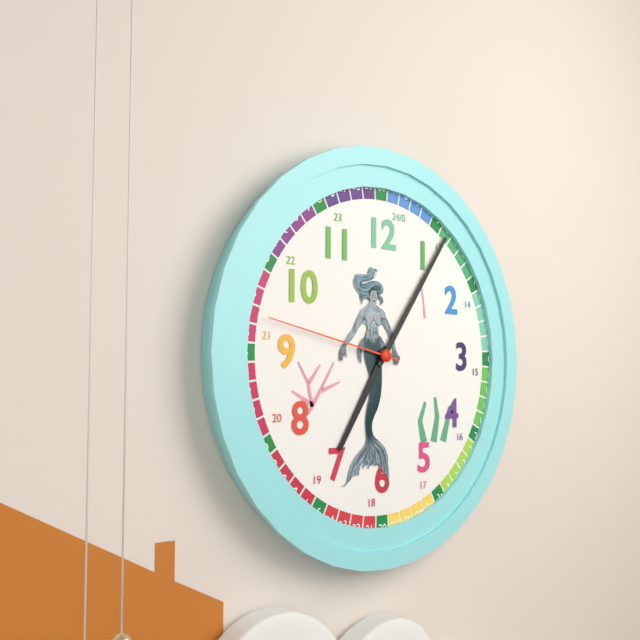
7h06m47s
